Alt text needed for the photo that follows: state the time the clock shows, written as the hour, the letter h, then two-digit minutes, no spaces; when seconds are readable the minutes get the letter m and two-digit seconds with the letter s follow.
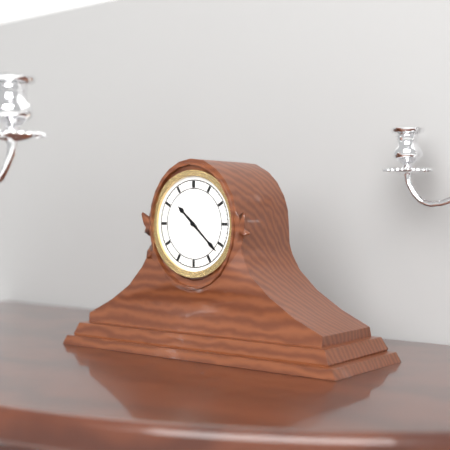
10h22
